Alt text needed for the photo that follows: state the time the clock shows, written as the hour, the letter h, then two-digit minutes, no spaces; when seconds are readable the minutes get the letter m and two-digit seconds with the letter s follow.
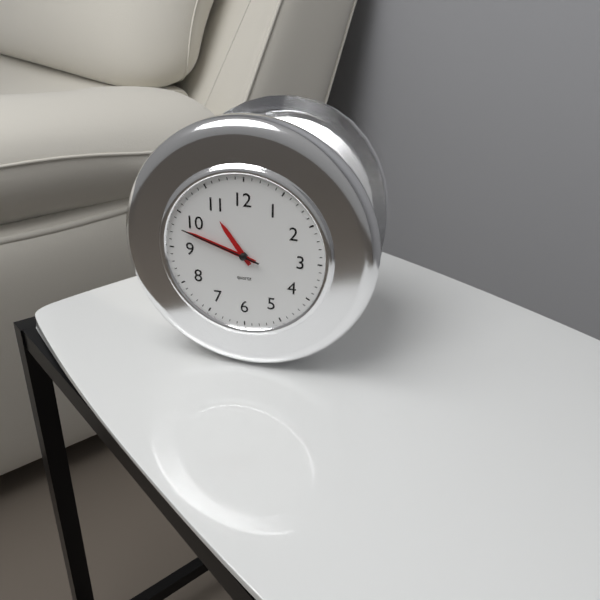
10h48m48s
